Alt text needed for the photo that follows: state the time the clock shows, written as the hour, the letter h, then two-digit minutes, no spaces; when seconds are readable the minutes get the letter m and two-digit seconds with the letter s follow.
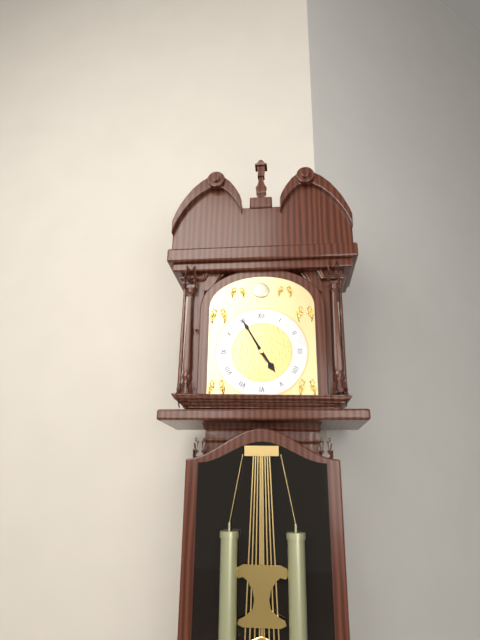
4h55
